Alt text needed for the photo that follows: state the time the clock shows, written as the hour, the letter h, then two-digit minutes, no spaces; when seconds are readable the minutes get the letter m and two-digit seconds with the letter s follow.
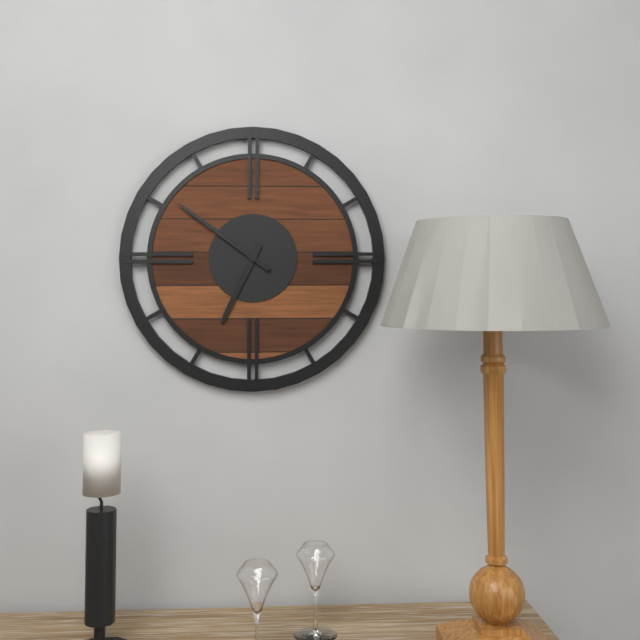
6h51
